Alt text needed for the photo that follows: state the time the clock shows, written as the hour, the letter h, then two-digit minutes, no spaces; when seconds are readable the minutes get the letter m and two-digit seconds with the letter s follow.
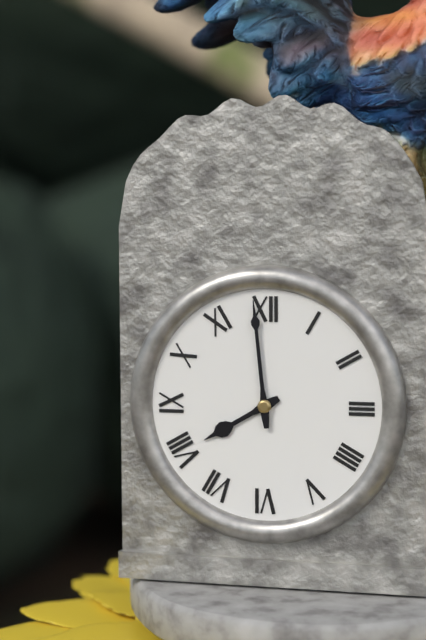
7h59
